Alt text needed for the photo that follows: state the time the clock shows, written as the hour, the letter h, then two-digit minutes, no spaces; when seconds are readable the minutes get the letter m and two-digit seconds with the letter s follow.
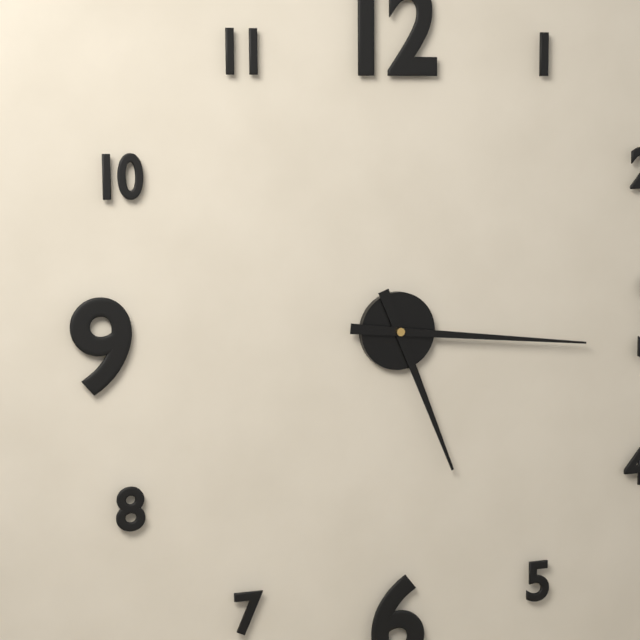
5h16
